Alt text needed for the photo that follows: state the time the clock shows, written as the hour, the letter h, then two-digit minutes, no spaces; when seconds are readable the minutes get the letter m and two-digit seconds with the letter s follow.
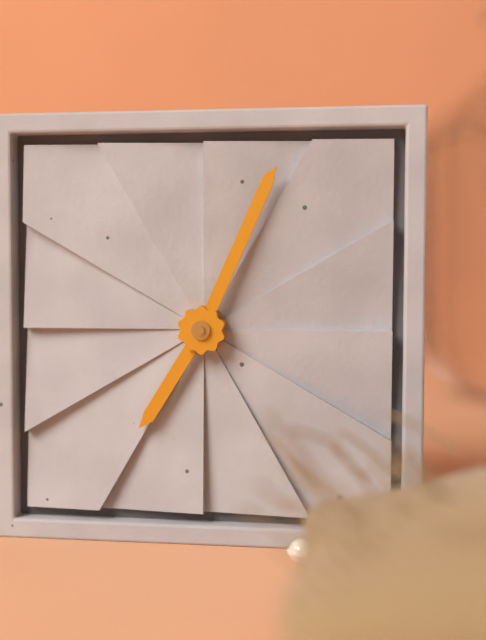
7h04
